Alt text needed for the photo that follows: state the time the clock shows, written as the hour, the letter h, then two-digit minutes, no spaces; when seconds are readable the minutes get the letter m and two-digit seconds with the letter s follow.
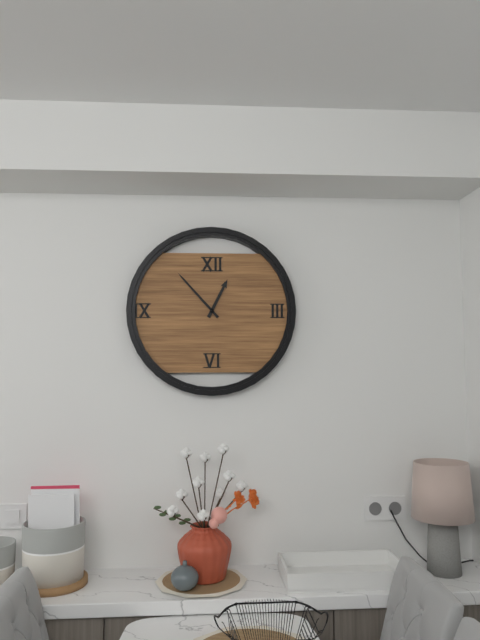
12h53
